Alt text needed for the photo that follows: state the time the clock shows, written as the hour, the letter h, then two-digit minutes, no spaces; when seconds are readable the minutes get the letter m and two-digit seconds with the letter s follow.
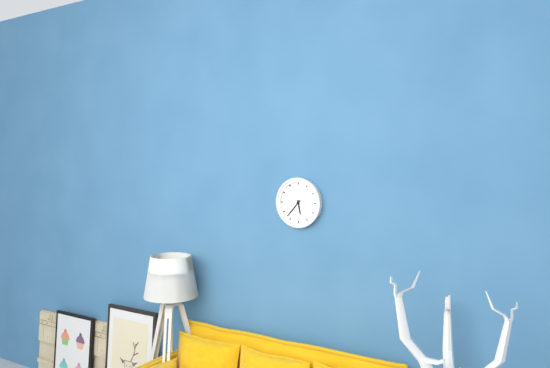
5h37
